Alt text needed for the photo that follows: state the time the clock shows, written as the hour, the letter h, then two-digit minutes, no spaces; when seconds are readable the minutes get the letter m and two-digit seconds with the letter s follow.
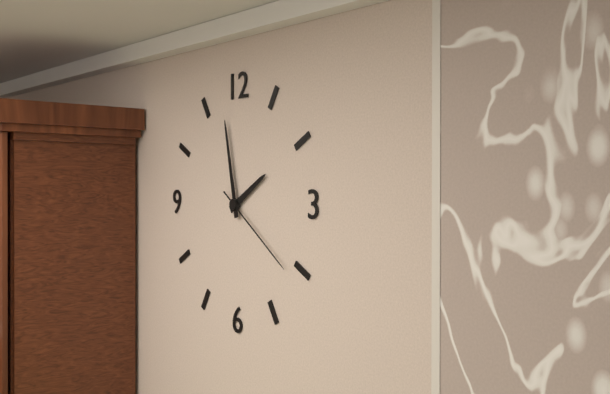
1h58m21s
